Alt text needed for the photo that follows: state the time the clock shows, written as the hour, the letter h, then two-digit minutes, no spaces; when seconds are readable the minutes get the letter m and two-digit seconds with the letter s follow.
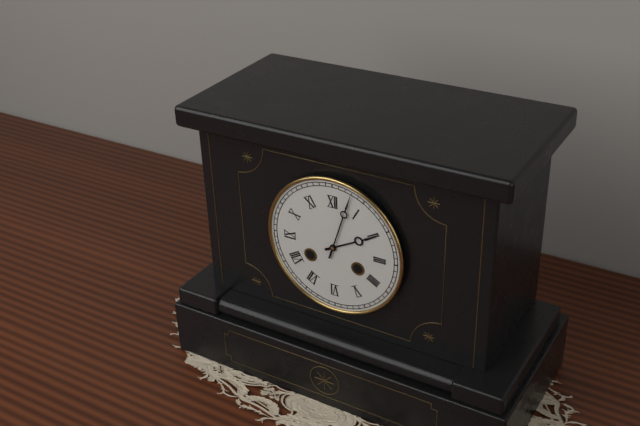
2h03
